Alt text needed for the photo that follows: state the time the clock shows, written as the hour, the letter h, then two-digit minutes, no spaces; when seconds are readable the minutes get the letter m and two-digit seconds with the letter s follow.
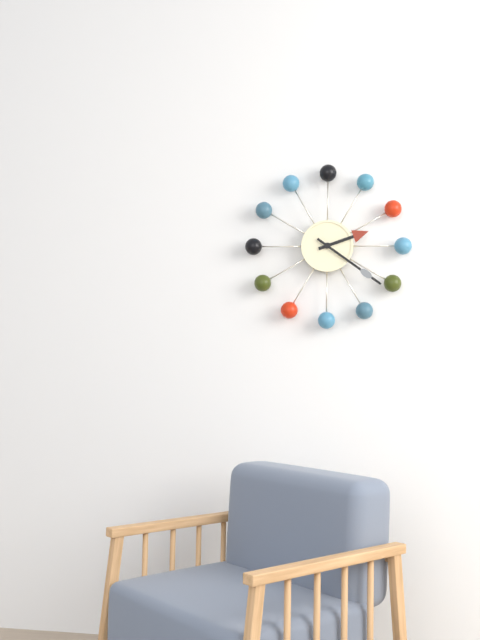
2h21
